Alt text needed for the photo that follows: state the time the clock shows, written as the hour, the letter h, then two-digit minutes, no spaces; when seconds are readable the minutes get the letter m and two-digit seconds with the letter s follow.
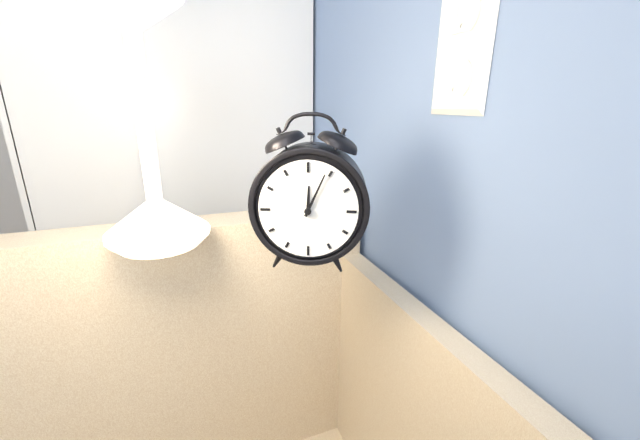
12h04
